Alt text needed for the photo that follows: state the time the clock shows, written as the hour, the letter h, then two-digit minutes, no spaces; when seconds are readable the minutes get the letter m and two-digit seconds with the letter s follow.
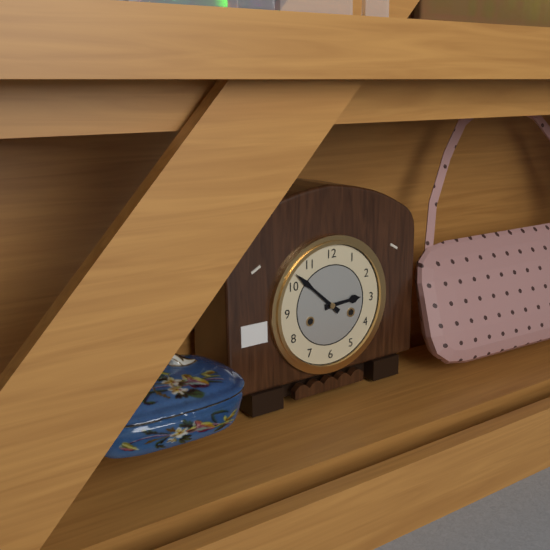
2h52
